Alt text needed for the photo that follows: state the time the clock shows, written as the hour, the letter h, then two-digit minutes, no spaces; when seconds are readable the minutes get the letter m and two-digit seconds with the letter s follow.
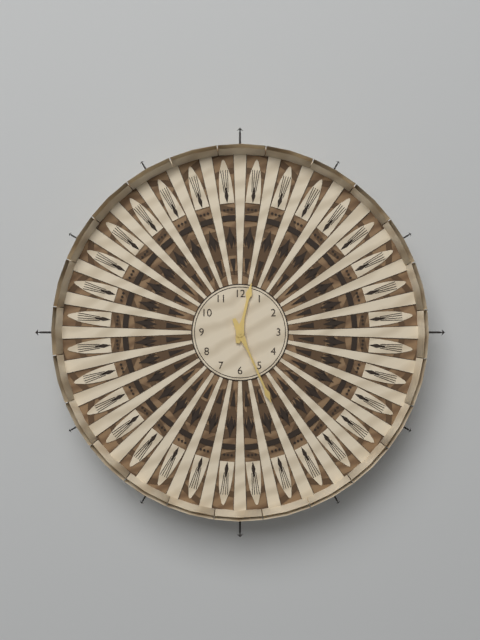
12h26
